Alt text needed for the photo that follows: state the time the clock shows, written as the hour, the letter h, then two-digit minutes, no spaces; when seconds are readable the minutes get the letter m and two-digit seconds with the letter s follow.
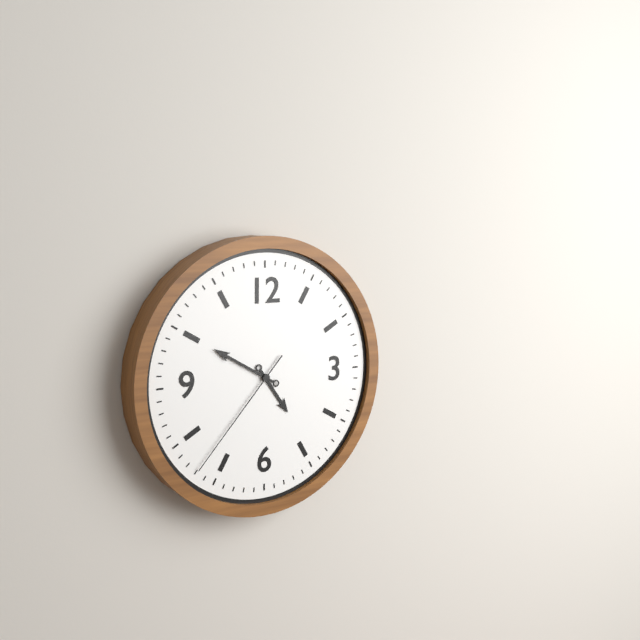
4h50m37s
